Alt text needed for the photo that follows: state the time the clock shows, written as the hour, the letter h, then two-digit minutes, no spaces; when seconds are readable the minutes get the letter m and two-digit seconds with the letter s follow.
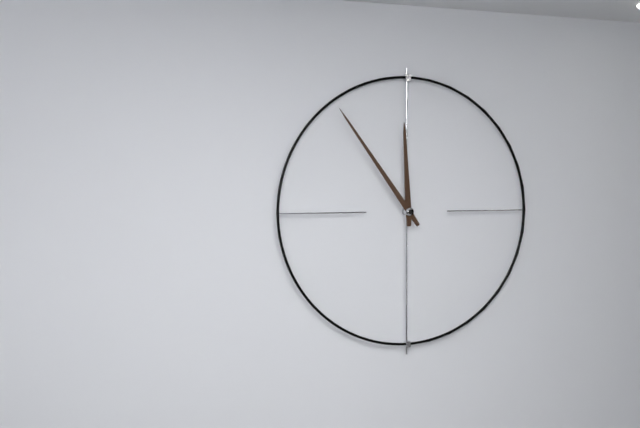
11h54
